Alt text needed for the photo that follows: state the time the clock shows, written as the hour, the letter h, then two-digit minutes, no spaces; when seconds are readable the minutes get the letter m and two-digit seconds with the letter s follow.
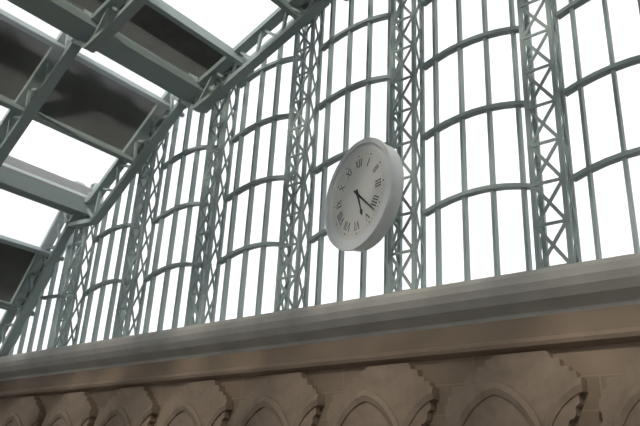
5h22
